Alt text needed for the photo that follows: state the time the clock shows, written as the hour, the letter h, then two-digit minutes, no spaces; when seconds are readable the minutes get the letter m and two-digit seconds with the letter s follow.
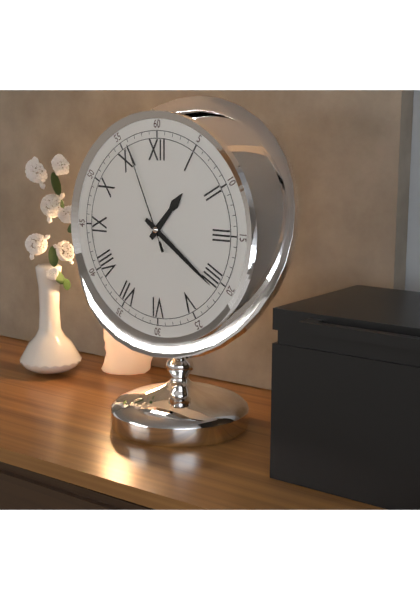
1h21m56s
